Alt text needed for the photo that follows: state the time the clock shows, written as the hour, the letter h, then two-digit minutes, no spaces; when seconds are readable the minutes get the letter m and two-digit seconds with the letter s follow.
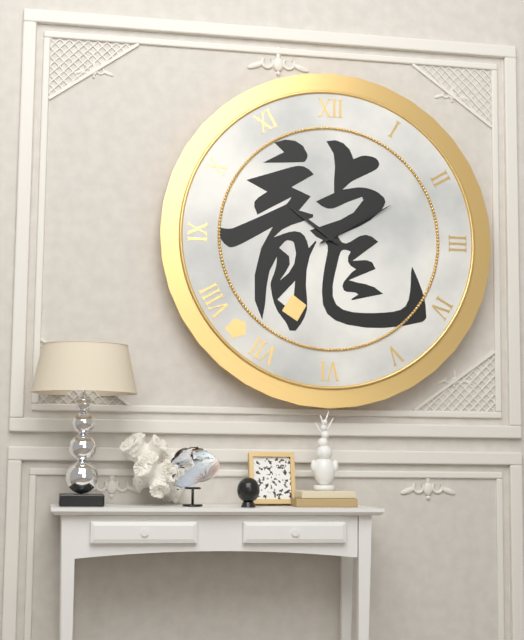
10h10
